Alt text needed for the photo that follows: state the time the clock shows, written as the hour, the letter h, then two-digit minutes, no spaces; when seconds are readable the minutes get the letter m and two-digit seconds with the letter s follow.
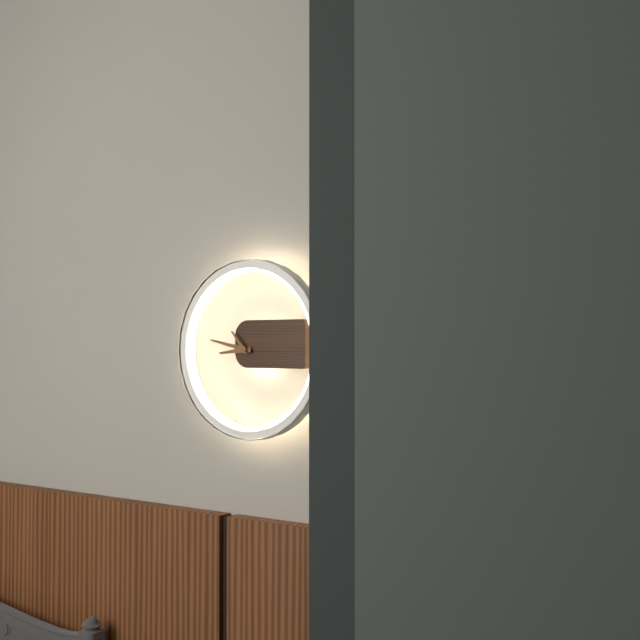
8h47m53s
